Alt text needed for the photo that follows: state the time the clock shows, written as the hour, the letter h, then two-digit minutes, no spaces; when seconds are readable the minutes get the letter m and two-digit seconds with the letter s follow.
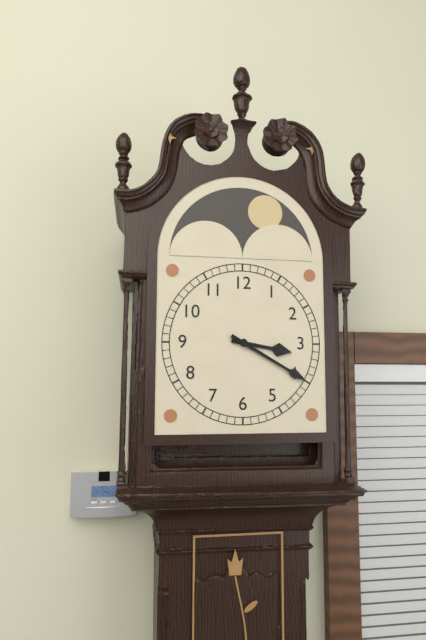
3h20
